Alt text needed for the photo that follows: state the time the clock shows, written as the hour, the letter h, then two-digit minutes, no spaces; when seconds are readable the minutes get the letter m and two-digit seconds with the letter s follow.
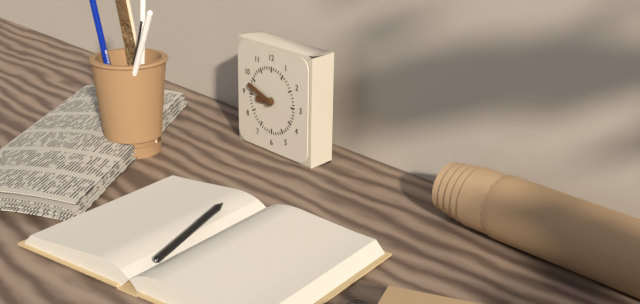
8h48
